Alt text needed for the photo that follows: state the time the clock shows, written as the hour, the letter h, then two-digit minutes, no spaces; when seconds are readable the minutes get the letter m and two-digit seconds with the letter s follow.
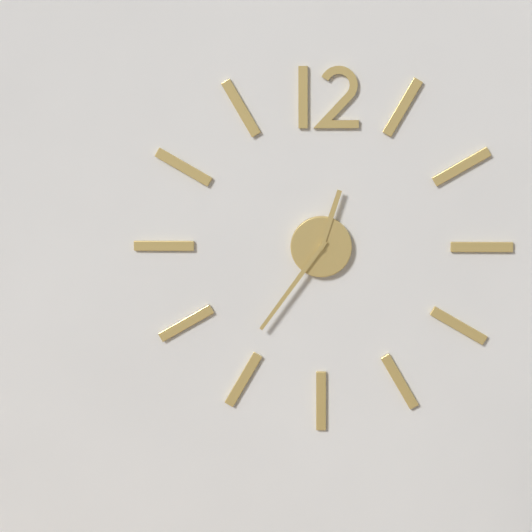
12h36
